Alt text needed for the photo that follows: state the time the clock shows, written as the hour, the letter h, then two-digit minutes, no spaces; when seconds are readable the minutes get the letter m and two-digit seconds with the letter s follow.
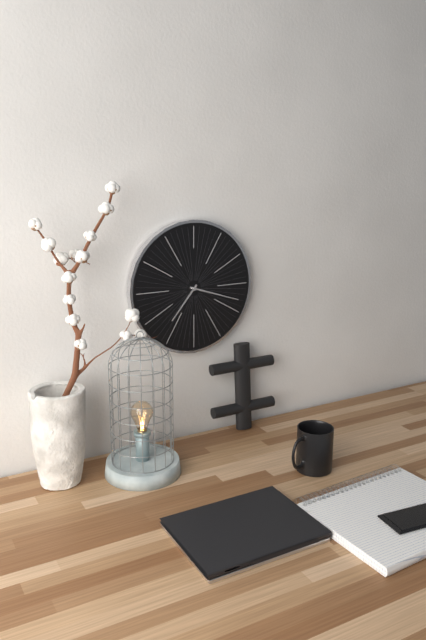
7h18
